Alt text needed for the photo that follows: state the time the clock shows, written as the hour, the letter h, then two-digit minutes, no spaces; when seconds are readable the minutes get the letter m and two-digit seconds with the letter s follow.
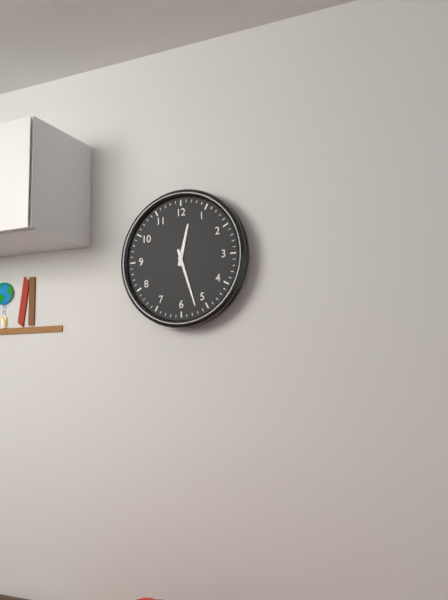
12h27
